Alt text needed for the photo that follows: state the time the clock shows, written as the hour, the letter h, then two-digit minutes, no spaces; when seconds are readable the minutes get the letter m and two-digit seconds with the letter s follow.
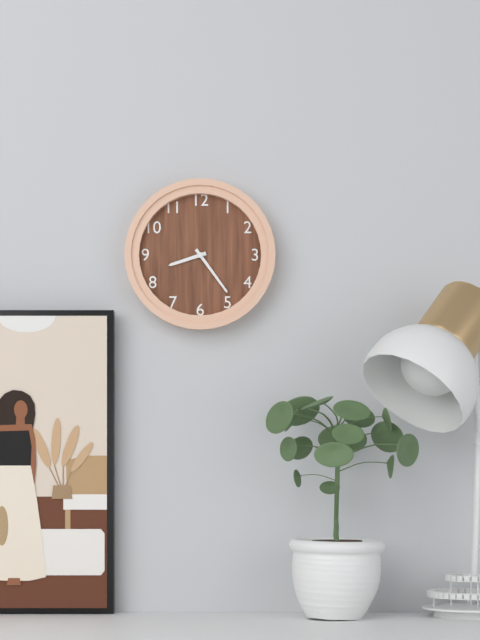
8h24
